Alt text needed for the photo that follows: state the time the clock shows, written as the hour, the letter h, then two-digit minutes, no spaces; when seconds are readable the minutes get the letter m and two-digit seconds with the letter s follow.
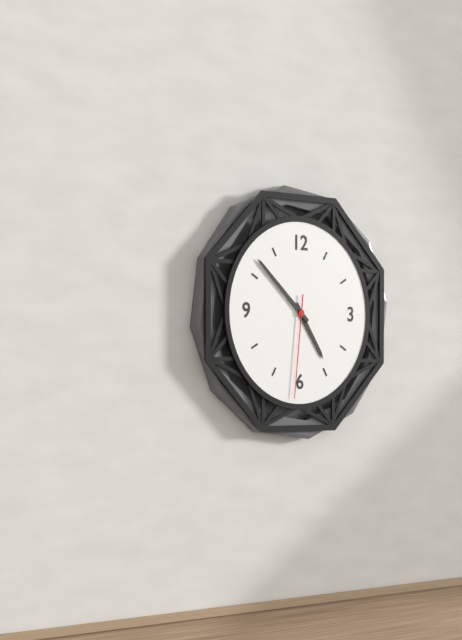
4h52m31s
